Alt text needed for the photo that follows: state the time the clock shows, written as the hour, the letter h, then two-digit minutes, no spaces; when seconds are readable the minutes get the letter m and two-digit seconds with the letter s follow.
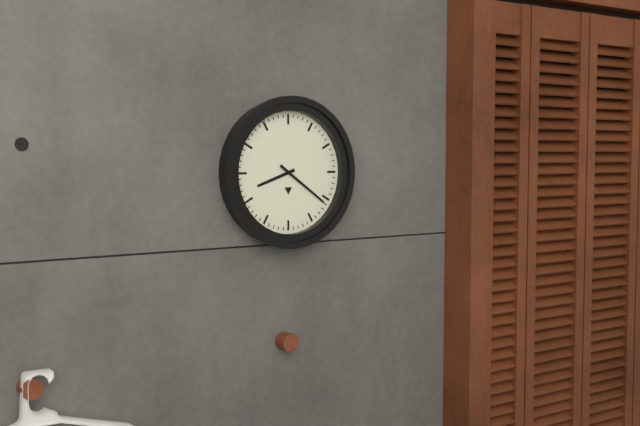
8h21
